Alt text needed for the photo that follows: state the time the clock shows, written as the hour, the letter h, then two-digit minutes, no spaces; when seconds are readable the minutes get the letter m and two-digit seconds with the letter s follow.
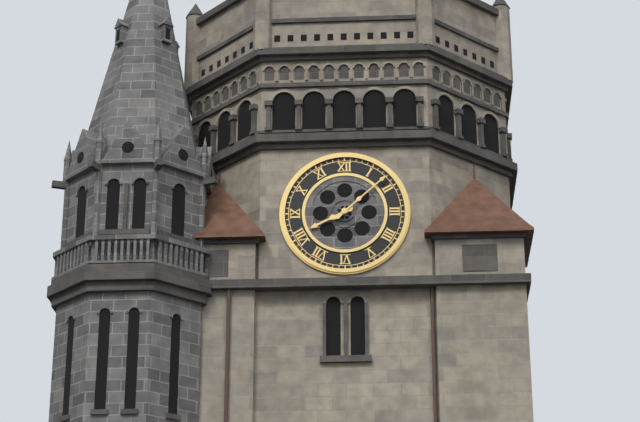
8h08
